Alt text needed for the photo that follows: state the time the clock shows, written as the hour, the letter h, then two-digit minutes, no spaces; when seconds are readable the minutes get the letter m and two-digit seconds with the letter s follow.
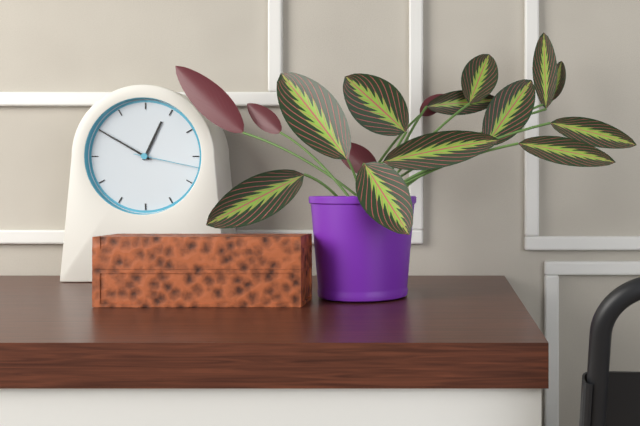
12h50m17s
